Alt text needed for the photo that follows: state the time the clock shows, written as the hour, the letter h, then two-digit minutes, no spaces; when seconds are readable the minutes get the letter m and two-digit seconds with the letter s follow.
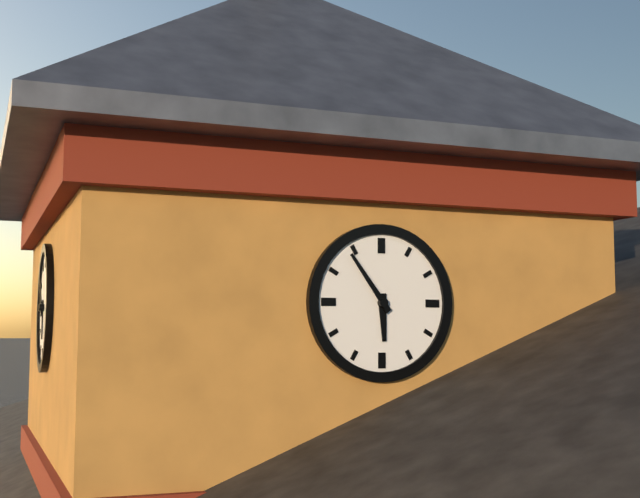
5h54
